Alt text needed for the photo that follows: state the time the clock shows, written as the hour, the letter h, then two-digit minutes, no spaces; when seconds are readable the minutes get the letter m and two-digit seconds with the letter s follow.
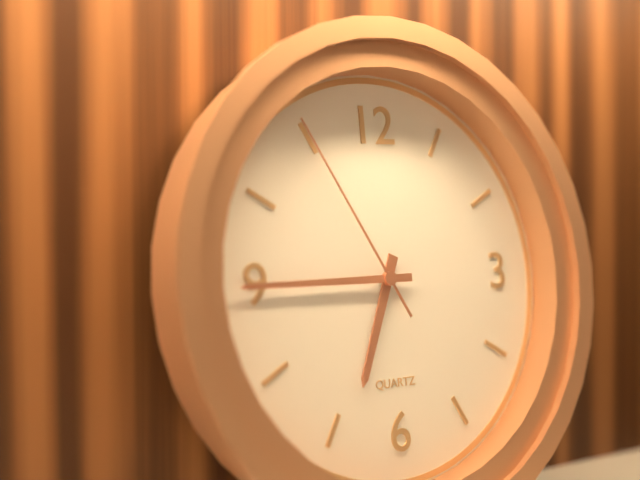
6h45m55s
